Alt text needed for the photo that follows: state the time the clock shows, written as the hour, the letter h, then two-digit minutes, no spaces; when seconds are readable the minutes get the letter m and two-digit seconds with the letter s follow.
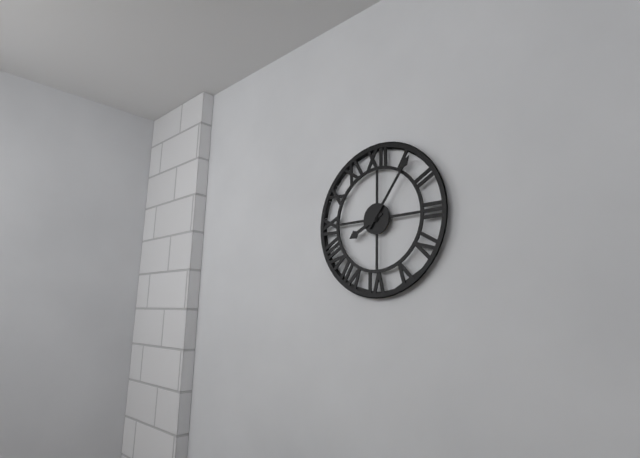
8h06
